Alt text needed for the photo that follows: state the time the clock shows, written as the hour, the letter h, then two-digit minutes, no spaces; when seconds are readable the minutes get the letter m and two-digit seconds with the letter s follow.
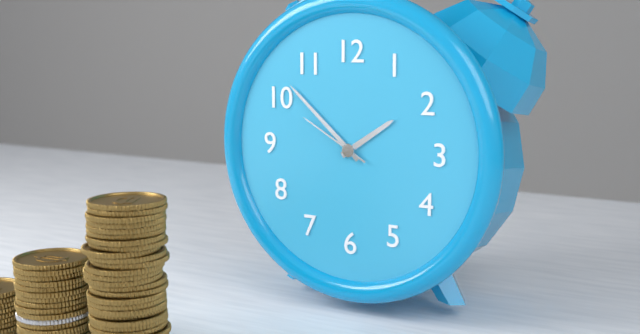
1h52m50s
